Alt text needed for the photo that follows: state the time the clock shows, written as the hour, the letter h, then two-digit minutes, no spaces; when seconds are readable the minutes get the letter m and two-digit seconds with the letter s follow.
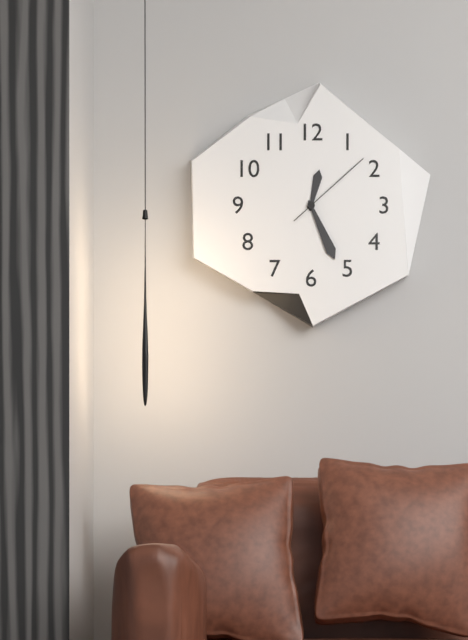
12h26m08s
